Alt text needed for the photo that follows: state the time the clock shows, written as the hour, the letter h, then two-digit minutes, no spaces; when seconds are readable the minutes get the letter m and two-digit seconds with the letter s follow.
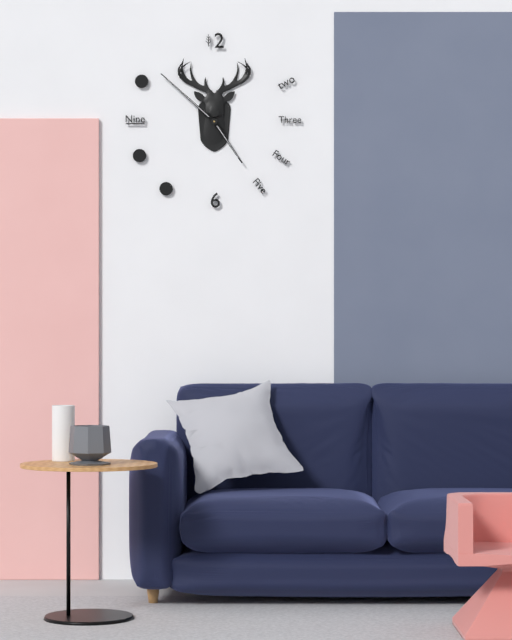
4h52
